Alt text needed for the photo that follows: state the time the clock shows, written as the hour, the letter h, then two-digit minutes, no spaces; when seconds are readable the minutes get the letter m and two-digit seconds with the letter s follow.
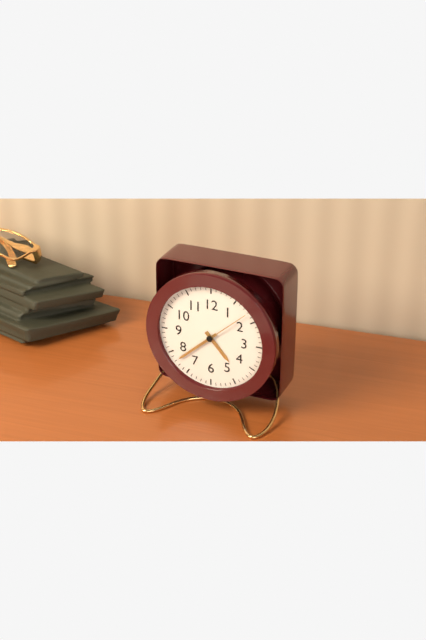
4h38m08s
